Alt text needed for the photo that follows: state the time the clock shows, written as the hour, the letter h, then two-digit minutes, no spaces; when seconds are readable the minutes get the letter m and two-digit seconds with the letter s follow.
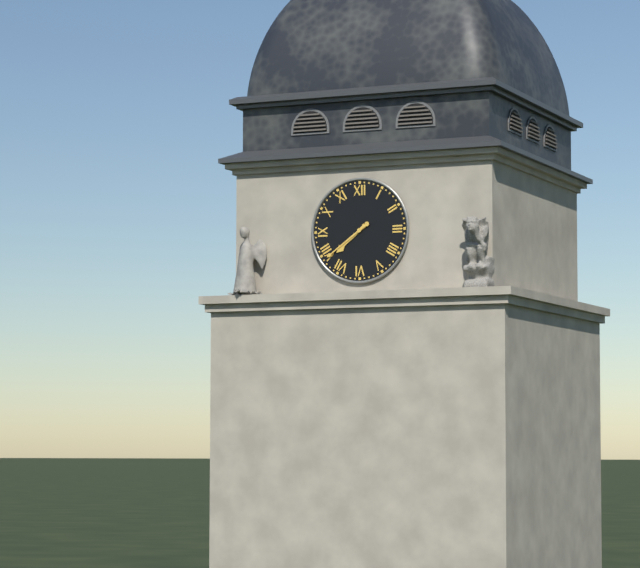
7h39
